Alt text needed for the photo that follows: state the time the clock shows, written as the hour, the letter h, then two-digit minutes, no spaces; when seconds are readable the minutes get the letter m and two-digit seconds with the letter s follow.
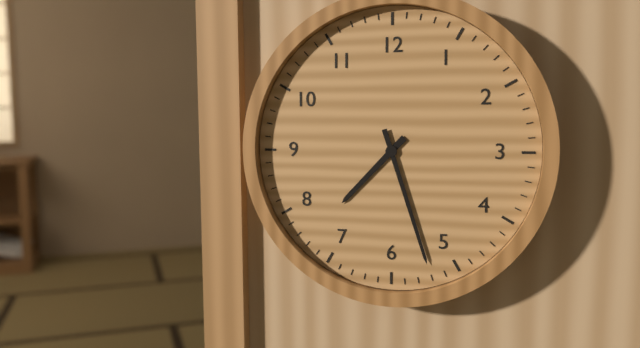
7h27
